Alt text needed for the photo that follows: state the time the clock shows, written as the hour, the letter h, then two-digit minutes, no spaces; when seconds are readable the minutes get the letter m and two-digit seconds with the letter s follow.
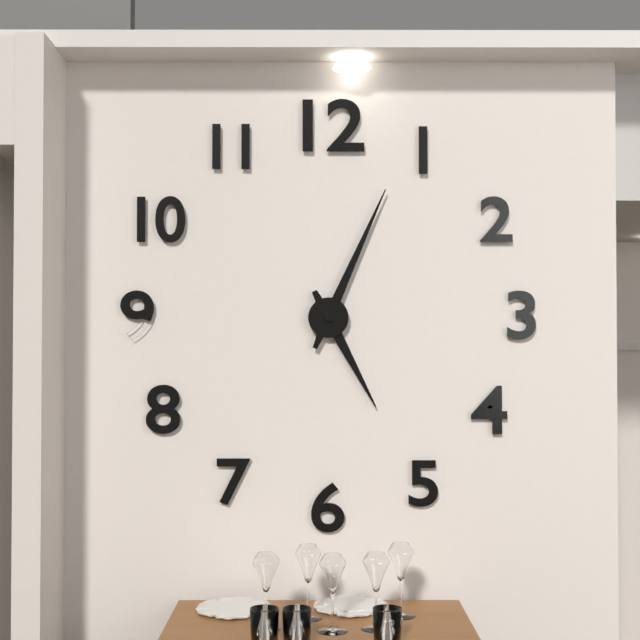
5h04
